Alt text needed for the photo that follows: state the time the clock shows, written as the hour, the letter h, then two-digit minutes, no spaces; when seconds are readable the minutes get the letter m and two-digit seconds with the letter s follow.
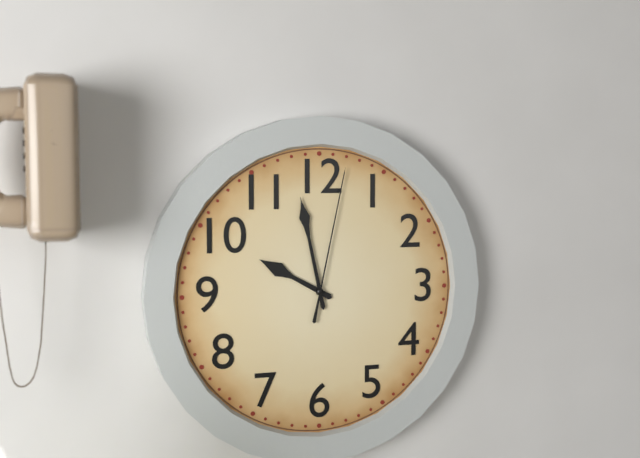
9h58m02s
